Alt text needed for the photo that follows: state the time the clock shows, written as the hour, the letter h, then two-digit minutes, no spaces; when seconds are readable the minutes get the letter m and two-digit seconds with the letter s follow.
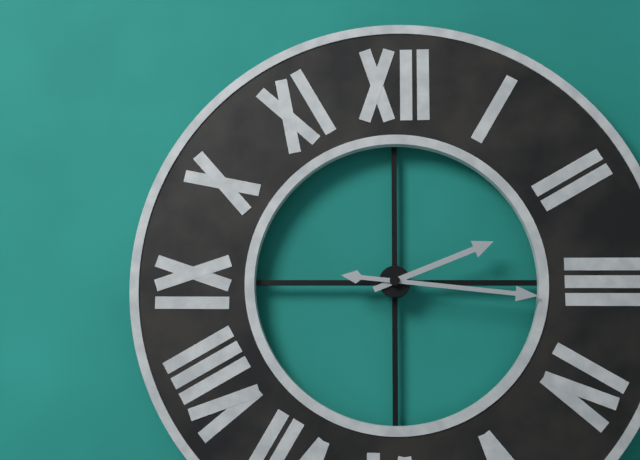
2h16
